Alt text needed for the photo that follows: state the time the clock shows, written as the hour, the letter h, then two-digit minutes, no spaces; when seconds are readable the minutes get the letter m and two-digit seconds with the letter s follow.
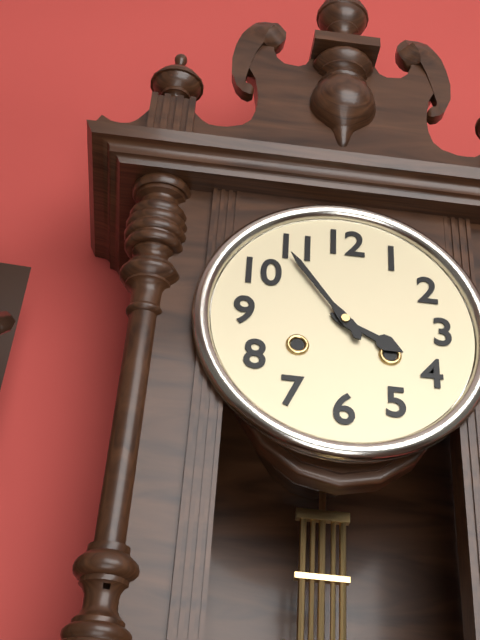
3h54
